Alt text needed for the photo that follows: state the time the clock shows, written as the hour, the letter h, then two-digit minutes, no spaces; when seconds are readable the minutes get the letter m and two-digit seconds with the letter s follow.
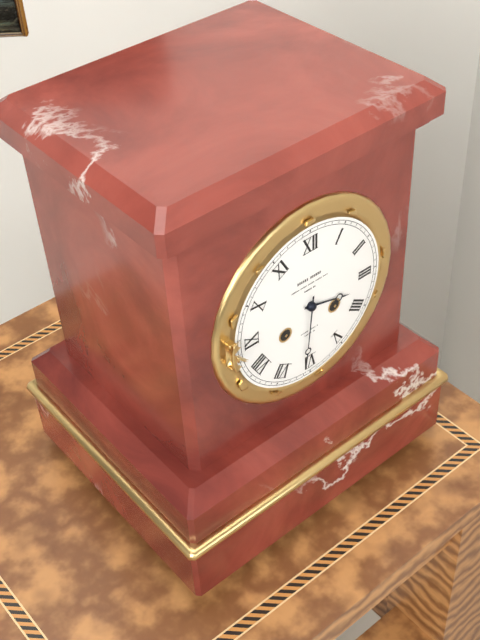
3h31
